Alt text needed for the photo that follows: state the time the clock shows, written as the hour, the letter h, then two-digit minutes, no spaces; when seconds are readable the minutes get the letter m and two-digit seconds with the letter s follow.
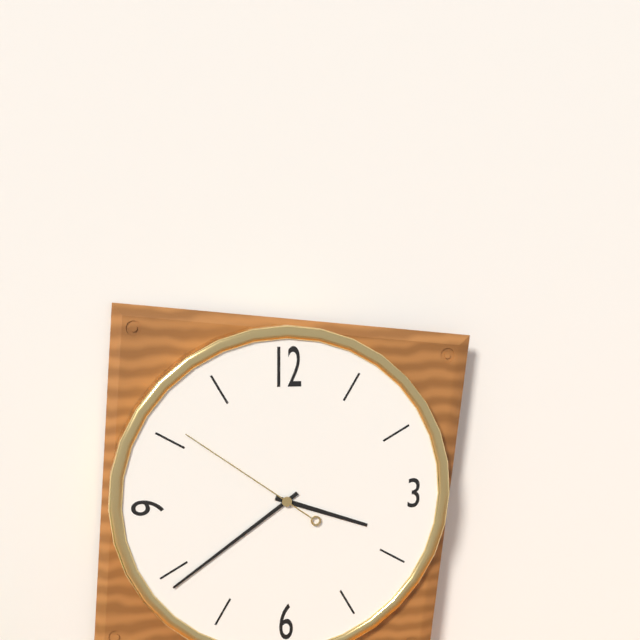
3h39m51s
